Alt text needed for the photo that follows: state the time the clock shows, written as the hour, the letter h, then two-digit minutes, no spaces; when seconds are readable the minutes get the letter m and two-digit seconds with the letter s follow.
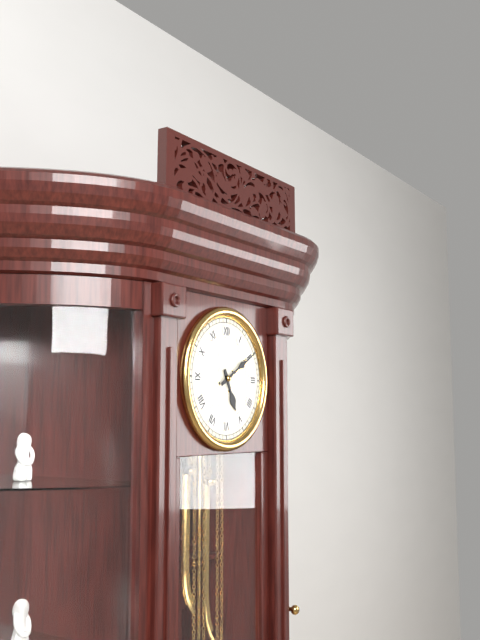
5h10
